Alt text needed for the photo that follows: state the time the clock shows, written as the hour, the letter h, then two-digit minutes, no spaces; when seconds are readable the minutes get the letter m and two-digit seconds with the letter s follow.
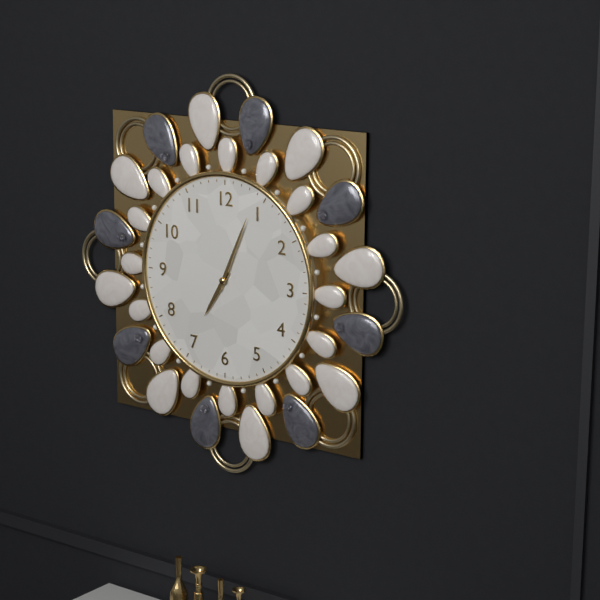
7h04
